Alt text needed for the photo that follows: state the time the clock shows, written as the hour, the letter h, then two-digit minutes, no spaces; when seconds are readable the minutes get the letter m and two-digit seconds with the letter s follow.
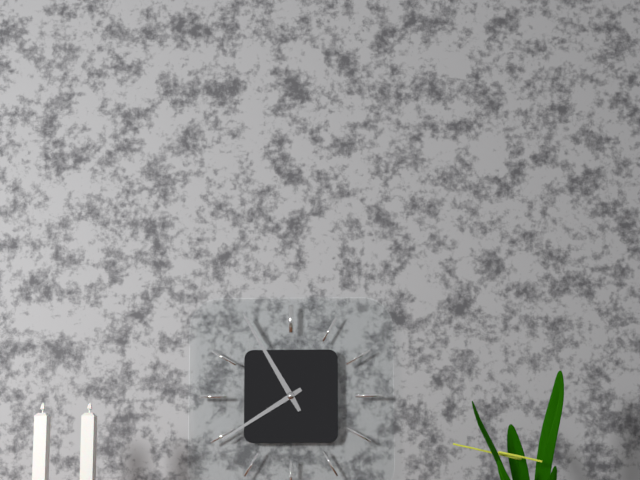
7h55
